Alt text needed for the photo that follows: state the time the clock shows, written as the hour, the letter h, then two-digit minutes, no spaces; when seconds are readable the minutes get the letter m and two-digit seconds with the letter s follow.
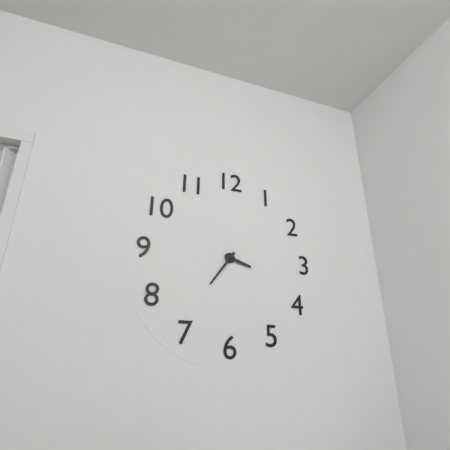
3h36
